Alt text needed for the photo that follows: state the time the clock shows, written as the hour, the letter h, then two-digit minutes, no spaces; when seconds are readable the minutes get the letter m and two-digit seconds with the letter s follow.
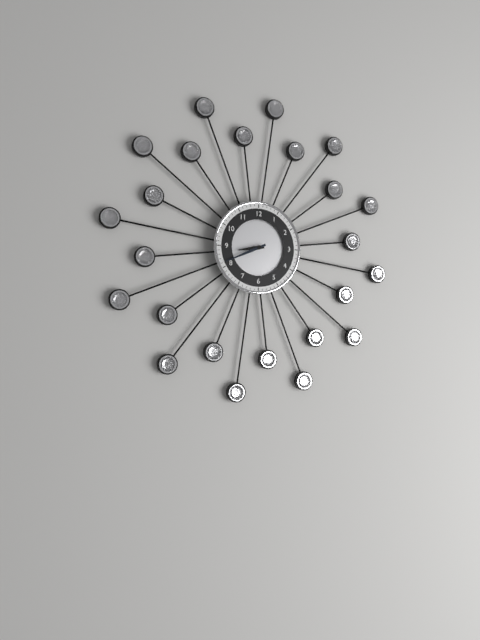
8h41
